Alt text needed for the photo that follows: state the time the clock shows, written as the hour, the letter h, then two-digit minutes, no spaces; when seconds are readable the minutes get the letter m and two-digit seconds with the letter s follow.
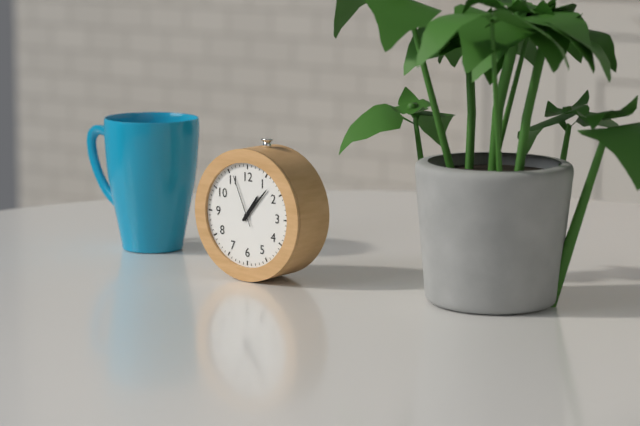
1h07m56s
